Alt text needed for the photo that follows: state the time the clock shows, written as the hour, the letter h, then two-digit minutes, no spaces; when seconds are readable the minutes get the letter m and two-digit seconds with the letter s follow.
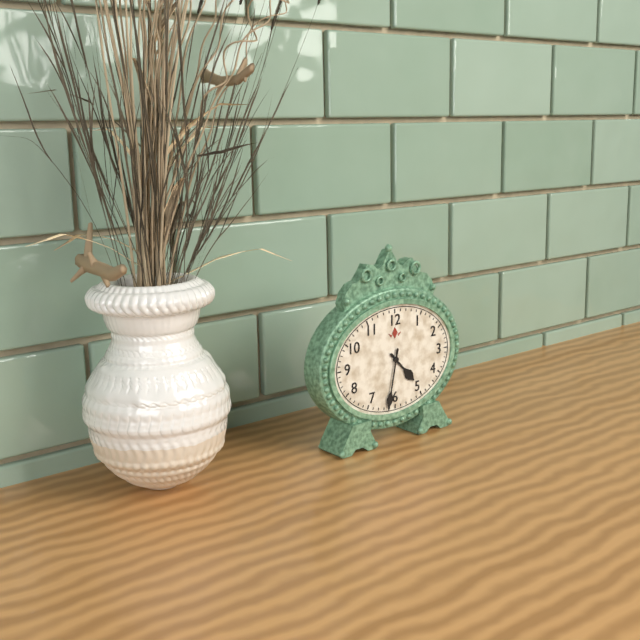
4h32
